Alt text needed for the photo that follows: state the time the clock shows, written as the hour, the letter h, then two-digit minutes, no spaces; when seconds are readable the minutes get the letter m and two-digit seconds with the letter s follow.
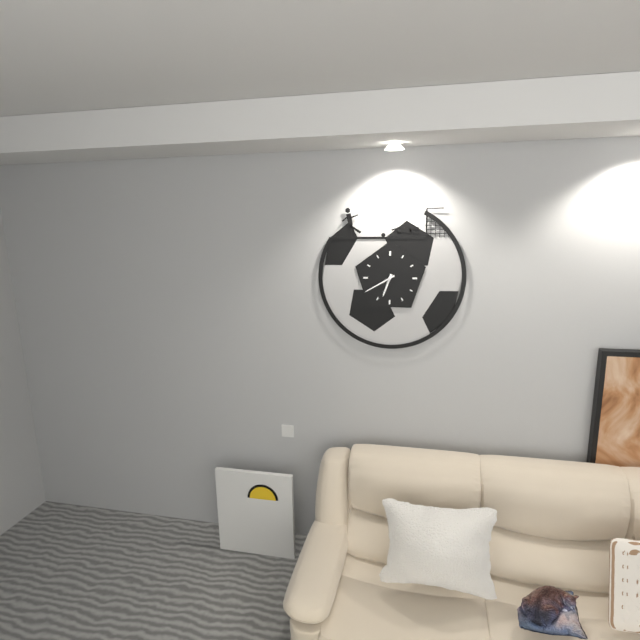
6h40
